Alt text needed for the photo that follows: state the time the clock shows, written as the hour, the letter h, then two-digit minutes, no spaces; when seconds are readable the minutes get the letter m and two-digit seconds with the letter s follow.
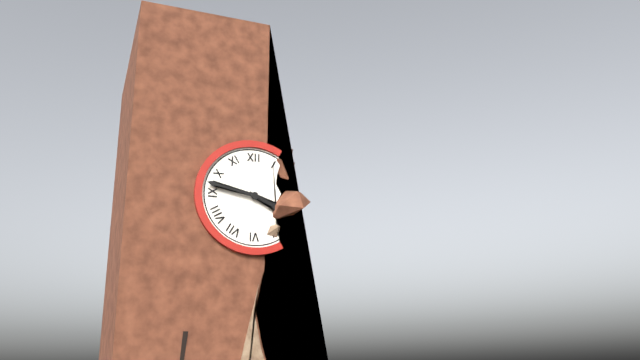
3h47
